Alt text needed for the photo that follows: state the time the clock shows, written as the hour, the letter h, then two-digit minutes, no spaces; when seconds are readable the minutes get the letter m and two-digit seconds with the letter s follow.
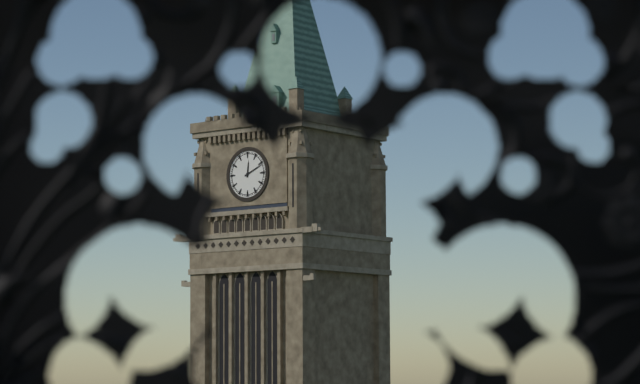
12h11
